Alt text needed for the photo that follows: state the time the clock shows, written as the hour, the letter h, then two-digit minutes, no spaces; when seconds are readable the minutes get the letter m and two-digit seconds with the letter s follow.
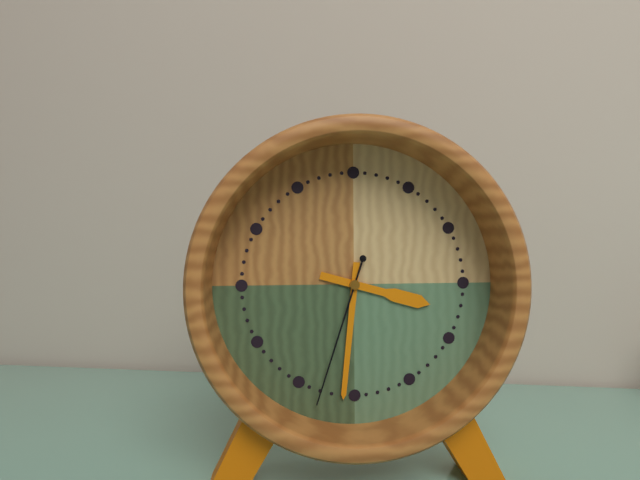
3h31m33s
